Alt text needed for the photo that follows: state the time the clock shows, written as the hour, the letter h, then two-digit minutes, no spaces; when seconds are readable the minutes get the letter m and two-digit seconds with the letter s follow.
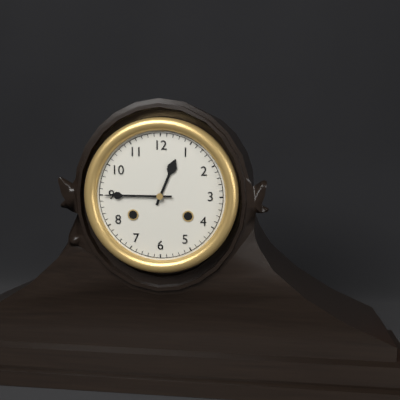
12h45
